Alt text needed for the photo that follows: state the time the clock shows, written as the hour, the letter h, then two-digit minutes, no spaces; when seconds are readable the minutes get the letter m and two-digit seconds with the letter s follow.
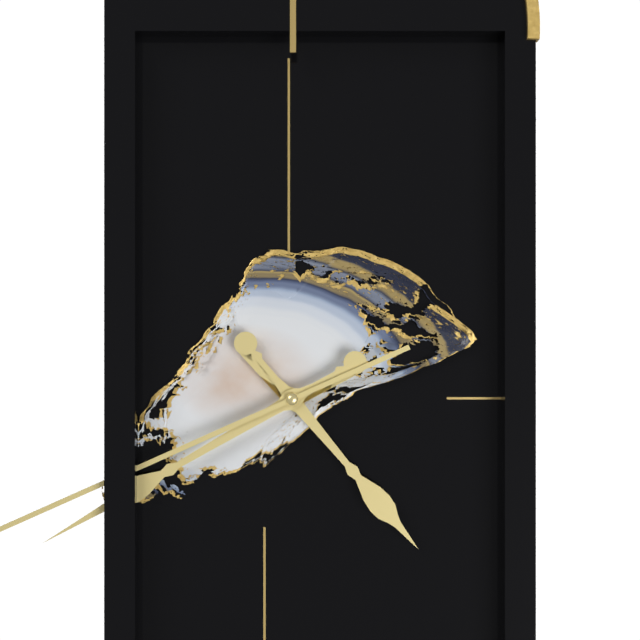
4h40
